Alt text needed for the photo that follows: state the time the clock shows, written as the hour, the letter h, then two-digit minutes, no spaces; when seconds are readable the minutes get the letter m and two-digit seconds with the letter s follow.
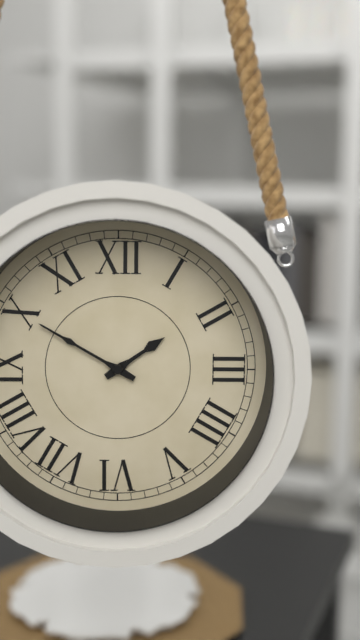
1h50
